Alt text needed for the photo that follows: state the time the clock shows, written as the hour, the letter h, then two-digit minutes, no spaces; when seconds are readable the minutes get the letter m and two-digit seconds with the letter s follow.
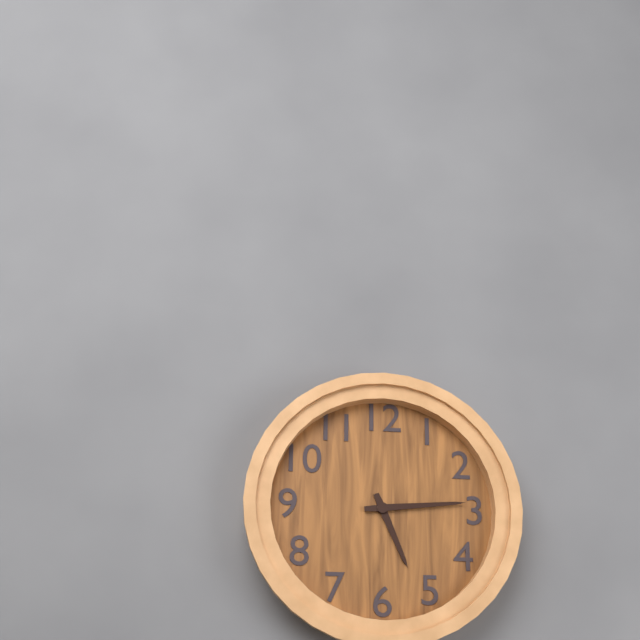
5h14
